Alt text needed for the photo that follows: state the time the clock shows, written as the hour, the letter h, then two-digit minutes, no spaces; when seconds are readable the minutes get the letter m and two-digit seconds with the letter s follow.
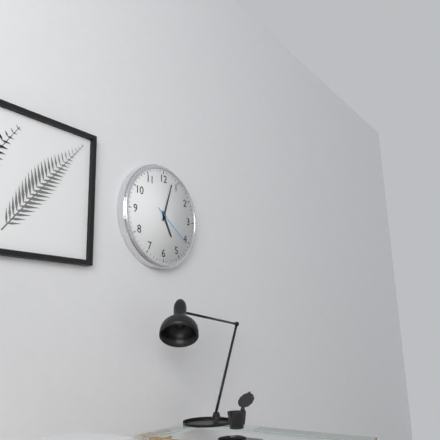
5h03
